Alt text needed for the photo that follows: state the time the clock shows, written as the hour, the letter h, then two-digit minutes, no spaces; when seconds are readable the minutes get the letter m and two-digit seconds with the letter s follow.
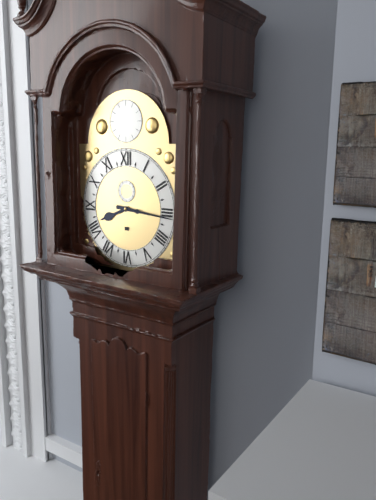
8h16
